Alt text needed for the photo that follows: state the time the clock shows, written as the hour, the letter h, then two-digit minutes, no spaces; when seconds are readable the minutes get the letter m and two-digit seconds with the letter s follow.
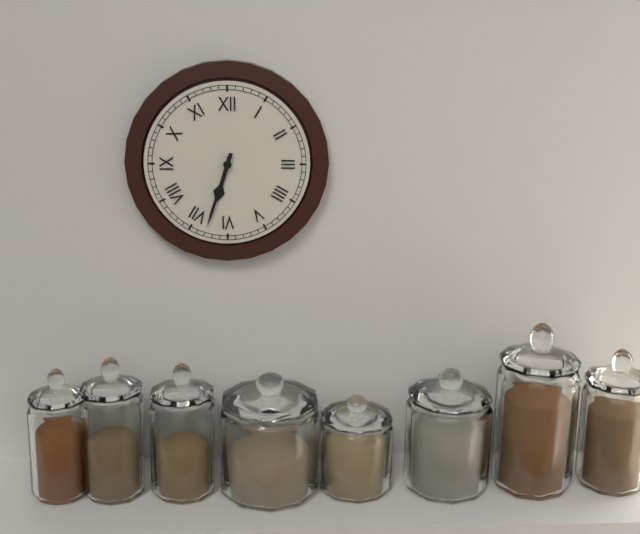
6h33
